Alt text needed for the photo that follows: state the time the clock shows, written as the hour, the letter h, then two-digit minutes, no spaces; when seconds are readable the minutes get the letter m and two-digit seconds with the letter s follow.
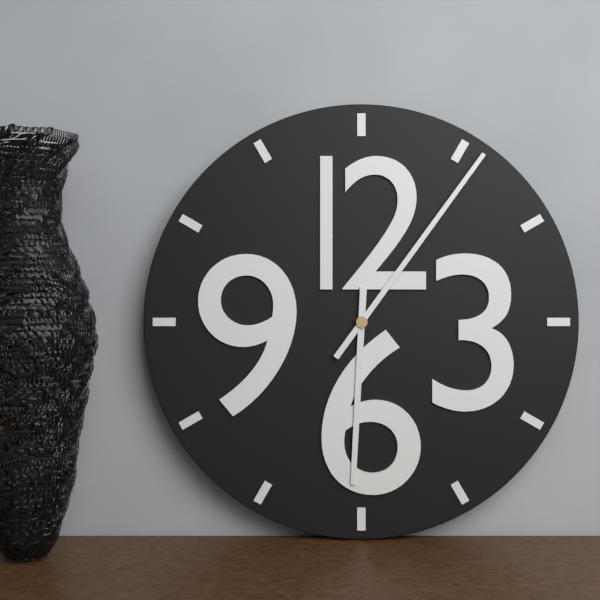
6h06
